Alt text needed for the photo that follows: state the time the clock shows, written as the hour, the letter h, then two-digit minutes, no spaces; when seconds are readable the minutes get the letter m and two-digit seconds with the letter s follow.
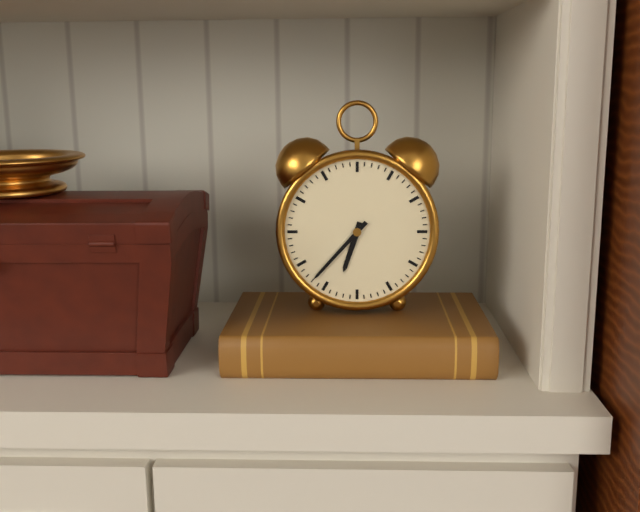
6h37
